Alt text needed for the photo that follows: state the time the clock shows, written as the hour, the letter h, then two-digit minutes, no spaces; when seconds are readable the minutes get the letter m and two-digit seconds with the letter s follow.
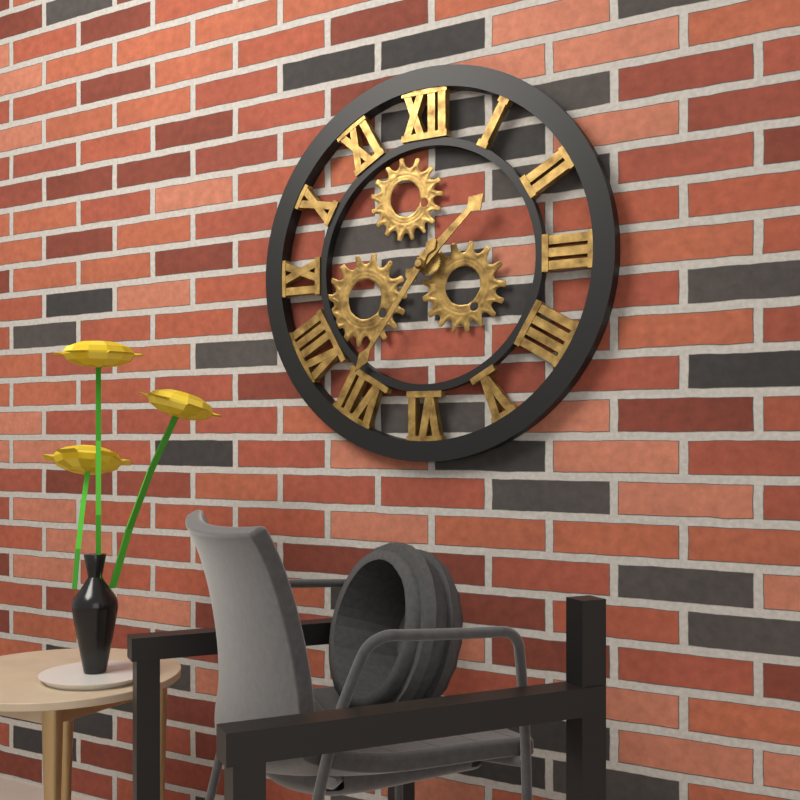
1h36
